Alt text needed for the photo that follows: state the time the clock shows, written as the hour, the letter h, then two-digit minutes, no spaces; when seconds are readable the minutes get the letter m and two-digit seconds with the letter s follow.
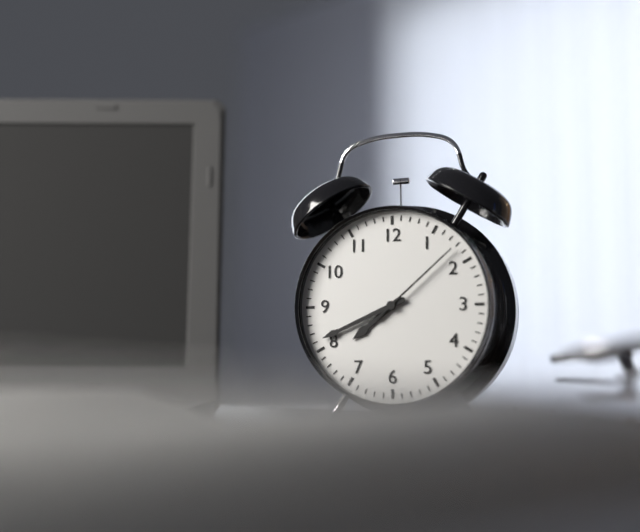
7h41m08s
